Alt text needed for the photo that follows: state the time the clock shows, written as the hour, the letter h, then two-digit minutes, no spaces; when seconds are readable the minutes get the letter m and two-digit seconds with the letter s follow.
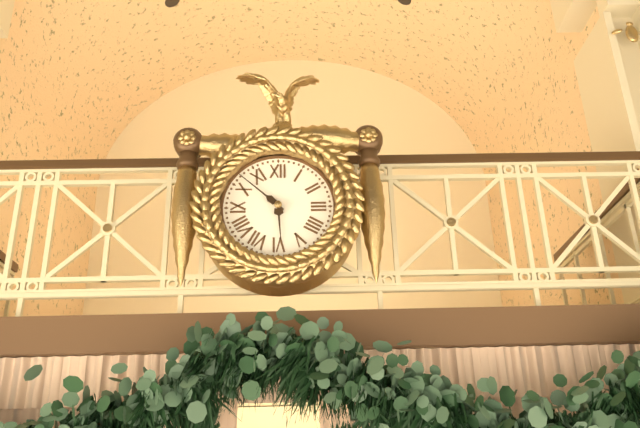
5h52
